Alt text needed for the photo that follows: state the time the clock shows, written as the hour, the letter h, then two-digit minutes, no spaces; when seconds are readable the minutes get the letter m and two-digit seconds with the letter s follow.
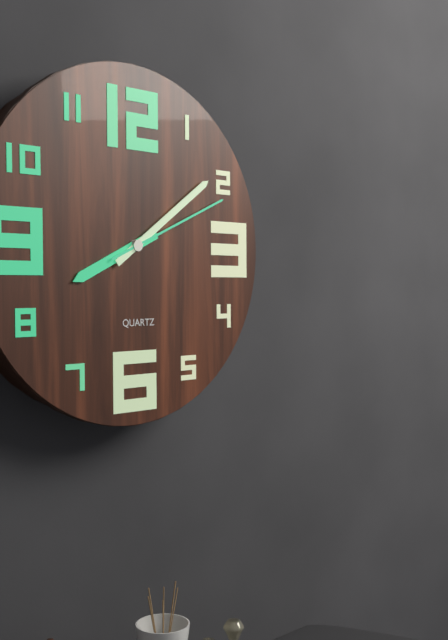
8h09m11s
